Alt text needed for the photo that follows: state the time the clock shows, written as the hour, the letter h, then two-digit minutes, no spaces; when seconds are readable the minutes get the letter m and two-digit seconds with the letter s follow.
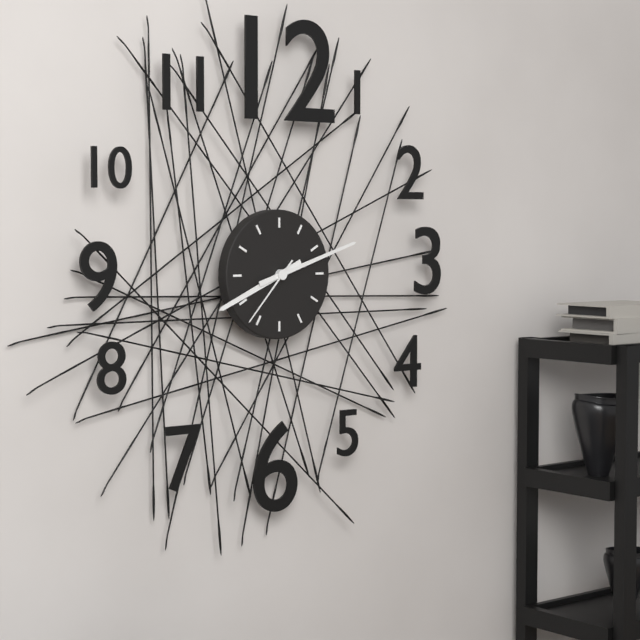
8h12m37s
